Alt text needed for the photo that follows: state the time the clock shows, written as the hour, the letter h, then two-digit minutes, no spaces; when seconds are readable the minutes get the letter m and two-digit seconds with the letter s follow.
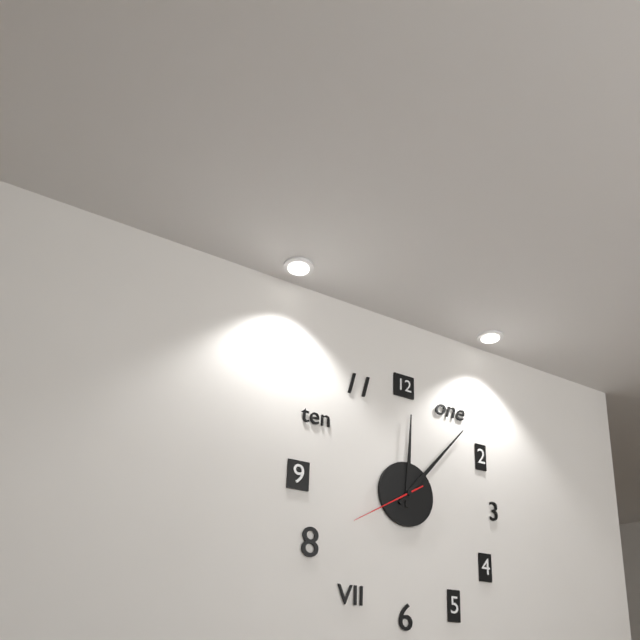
12h07m40s
